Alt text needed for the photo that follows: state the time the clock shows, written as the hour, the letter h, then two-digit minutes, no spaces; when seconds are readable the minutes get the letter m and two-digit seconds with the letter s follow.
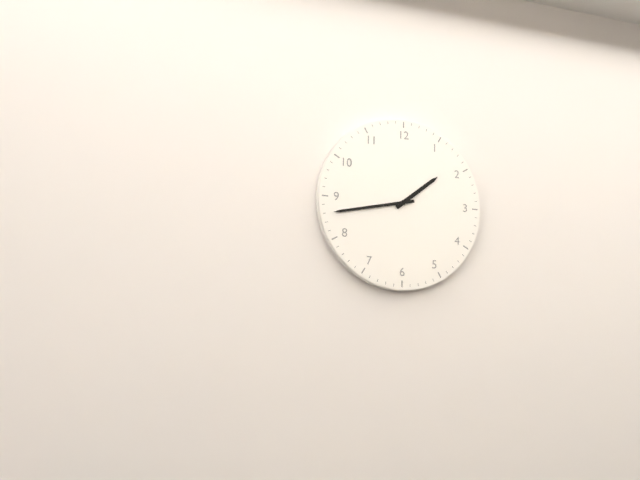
1h43
